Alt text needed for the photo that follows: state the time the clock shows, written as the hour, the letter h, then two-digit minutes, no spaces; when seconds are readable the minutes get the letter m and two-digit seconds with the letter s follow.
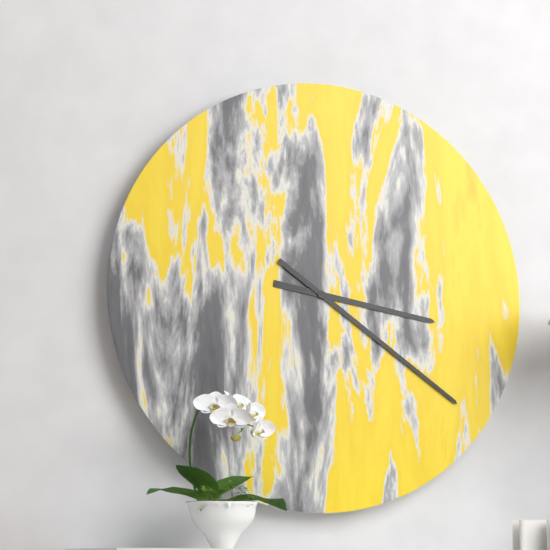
3h21
